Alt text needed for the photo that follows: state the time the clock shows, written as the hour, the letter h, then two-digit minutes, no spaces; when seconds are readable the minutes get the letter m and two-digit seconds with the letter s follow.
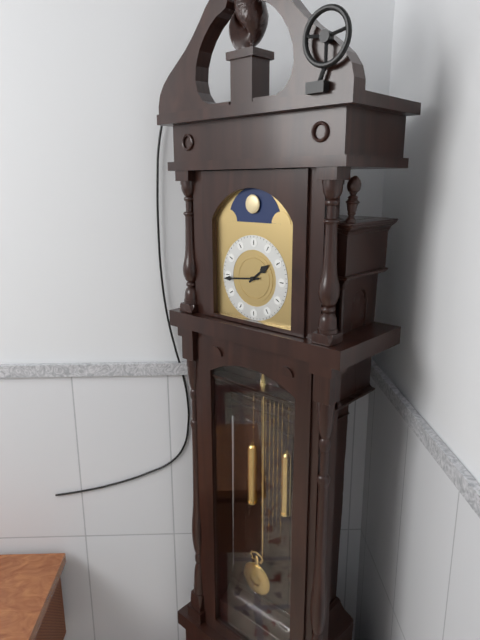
1h44
